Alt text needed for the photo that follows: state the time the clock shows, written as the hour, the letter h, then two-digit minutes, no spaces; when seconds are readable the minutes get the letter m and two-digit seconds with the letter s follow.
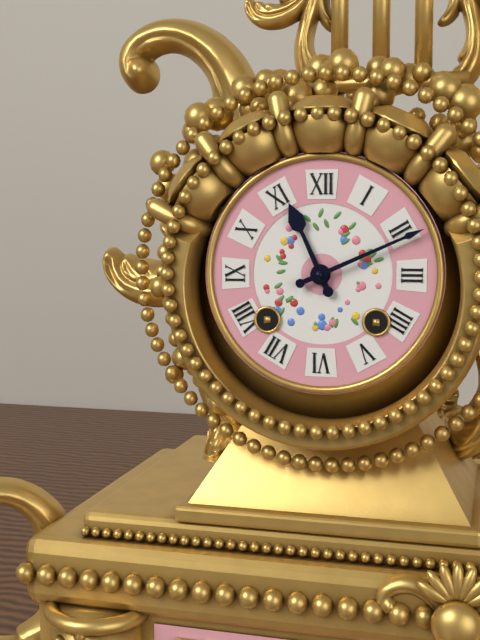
11h11
